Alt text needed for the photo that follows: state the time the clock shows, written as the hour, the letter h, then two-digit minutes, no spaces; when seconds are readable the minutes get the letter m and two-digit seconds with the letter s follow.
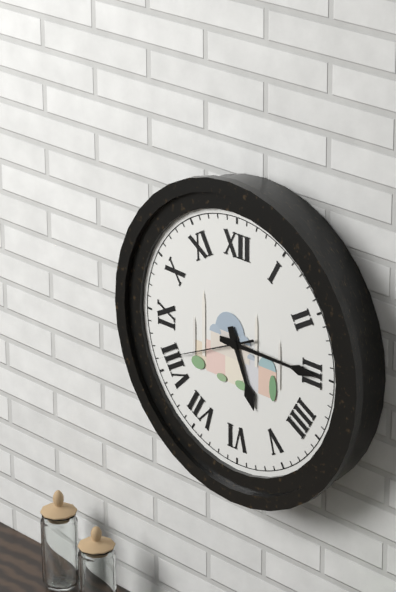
5h15m41s
